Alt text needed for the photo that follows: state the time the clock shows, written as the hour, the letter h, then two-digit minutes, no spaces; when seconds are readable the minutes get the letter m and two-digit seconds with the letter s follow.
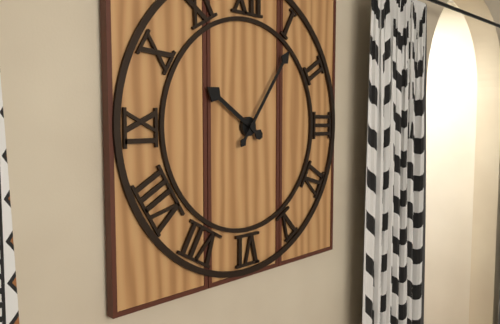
10h06
